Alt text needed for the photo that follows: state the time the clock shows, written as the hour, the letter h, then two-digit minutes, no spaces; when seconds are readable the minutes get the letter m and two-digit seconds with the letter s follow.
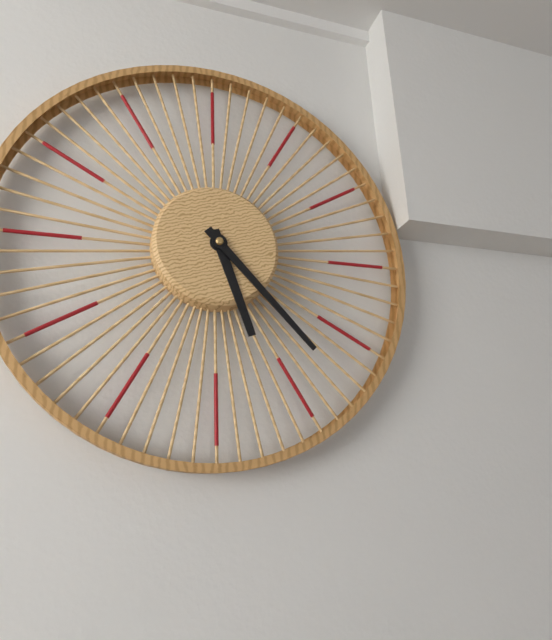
5h23
